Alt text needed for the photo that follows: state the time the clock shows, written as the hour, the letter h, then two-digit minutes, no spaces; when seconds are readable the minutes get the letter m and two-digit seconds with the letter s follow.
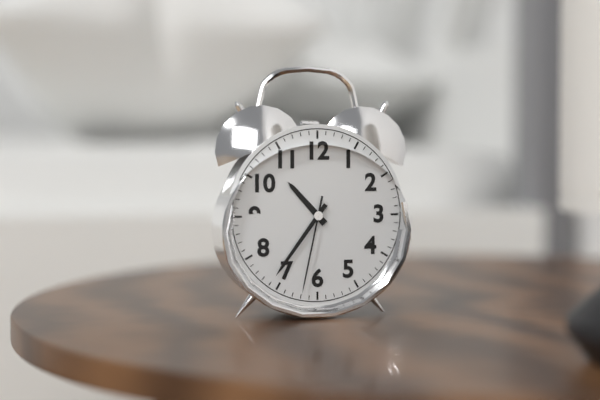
10h36m32s
